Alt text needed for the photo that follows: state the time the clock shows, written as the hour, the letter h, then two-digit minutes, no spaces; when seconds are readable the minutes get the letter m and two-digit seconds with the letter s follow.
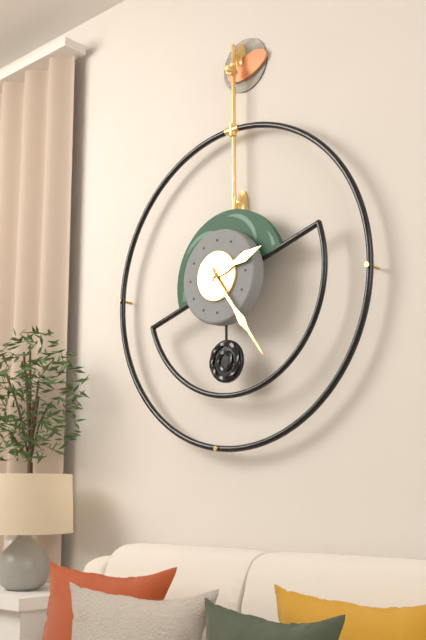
2h24
